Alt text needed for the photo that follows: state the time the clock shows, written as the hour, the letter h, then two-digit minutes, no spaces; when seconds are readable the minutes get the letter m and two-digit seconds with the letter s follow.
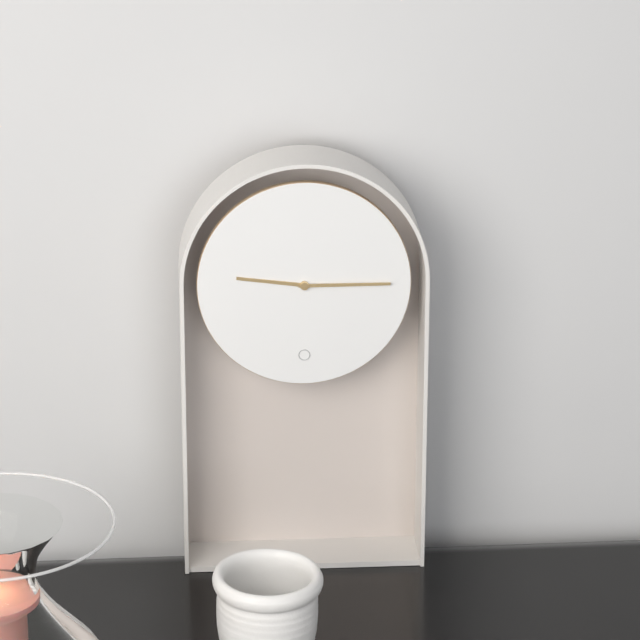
9h15
